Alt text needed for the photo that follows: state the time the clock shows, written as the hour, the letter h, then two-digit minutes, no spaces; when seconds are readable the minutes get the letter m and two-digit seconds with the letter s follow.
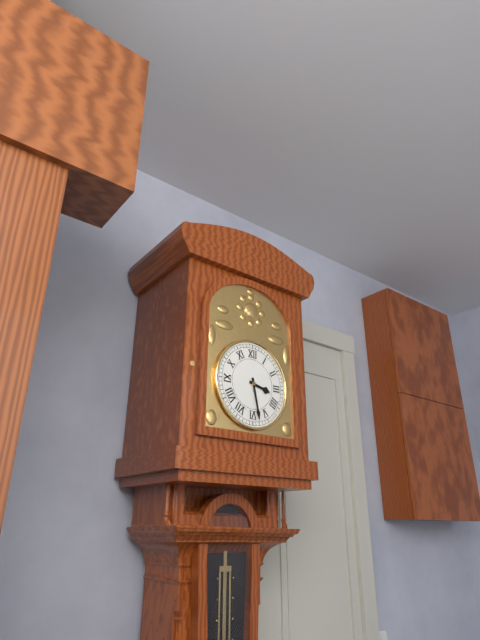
3h28
